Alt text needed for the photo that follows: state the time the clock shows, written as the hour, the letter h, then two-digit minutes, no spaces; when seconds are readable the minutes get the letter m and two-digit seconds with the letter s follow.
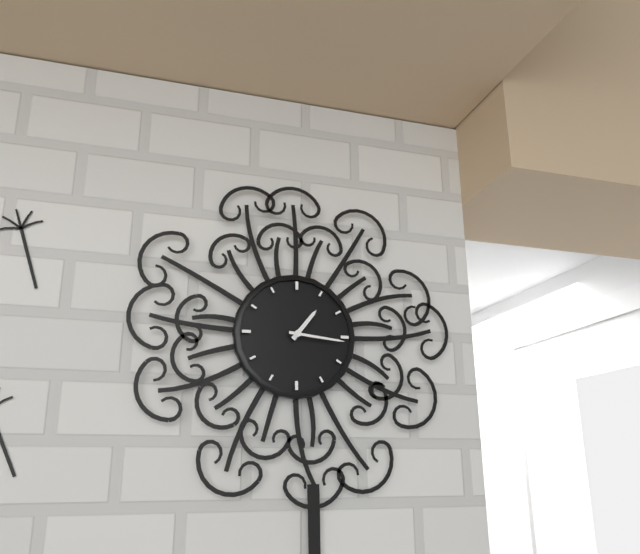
1h16
